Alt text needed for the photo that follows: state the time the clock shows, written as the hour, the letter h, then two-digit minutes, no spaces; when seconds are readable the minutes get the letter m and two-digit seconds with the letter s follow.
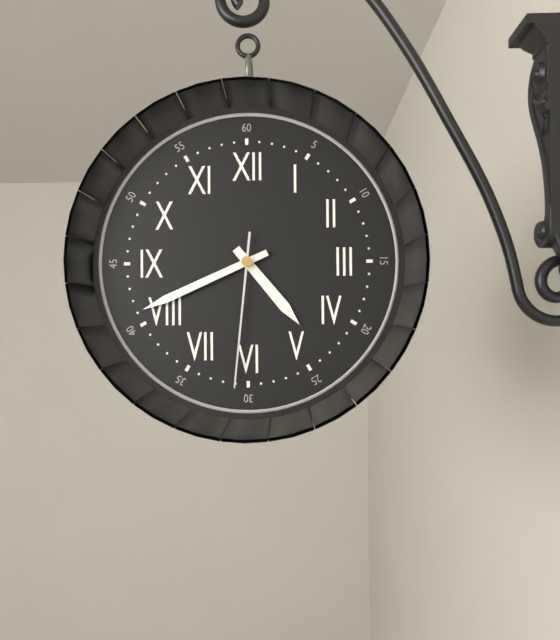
4h41m31s
